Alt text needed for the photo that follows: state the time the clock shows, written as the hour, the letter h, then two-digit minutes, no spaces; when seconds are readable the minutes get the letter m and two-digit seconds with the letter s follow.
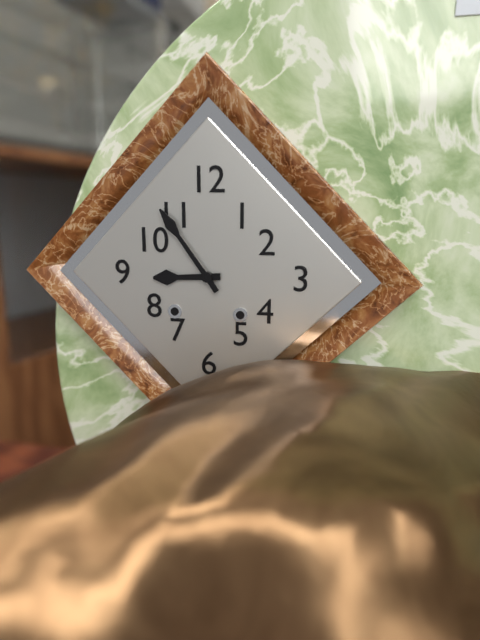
8h54
